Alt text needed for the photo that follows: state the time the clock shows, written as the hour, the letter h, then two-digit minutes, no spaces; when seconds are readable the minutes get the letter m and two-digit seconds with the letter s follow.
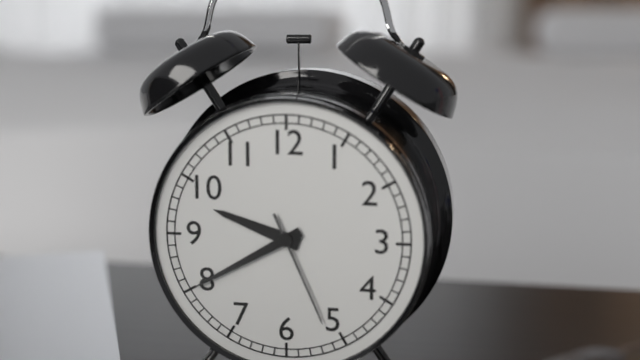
9h40m26s
